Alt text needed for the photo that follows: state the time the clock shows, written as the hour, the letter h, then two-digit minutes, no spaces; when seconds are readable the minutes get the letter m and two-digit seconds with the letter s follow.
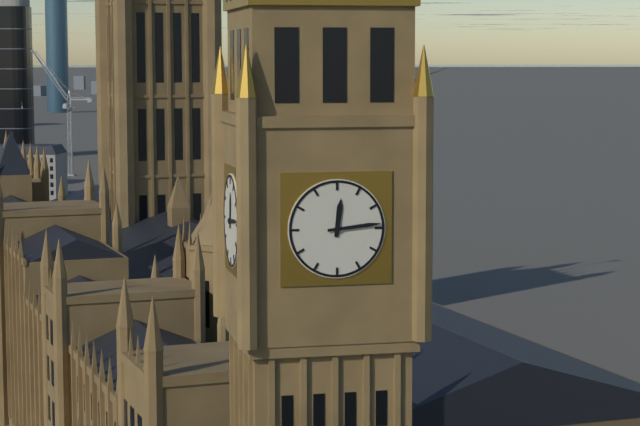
12h14
